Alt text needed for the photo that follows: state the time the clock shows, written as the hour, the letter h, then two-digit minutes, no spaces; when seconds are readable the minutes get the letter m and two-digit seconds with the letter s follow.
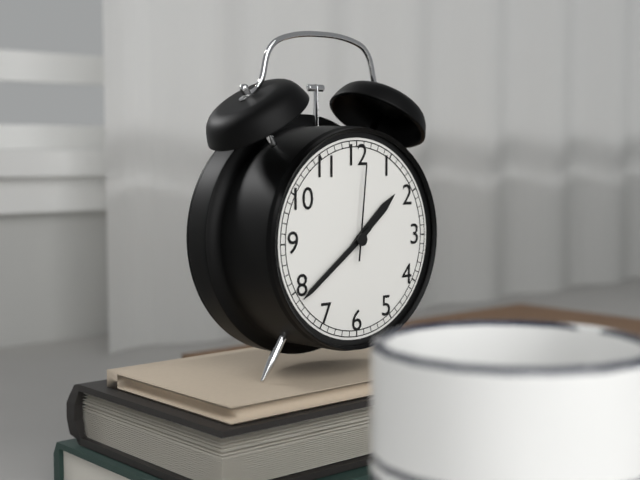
1h39m01s
